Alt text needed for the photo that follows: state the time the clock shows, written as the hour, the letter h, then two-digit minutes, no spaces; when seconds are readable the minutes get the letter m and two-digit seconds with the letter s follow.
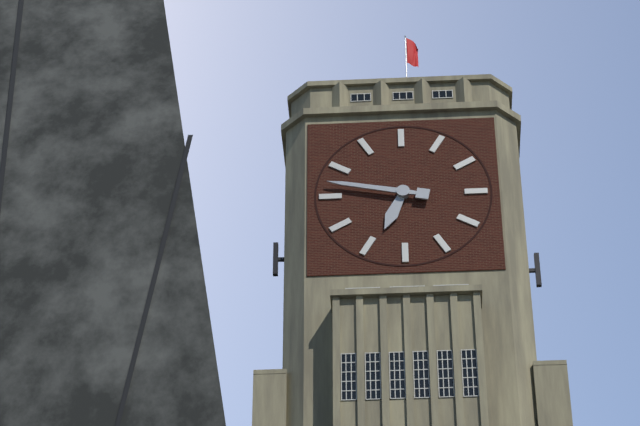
6h47
